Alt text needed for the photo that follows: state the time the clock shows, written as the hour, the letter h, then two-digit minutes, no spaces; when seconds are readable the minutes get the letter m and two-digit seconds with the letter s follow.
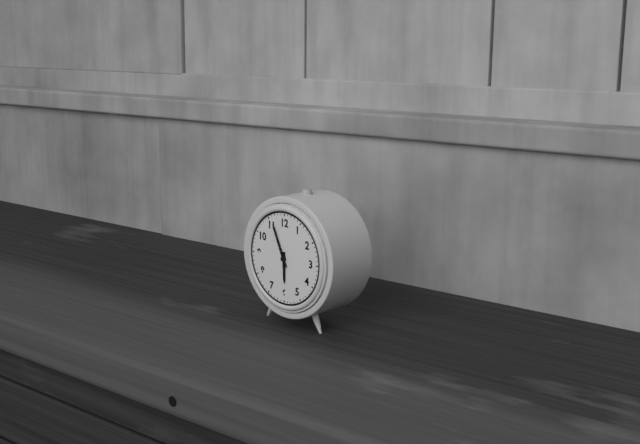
5h56
